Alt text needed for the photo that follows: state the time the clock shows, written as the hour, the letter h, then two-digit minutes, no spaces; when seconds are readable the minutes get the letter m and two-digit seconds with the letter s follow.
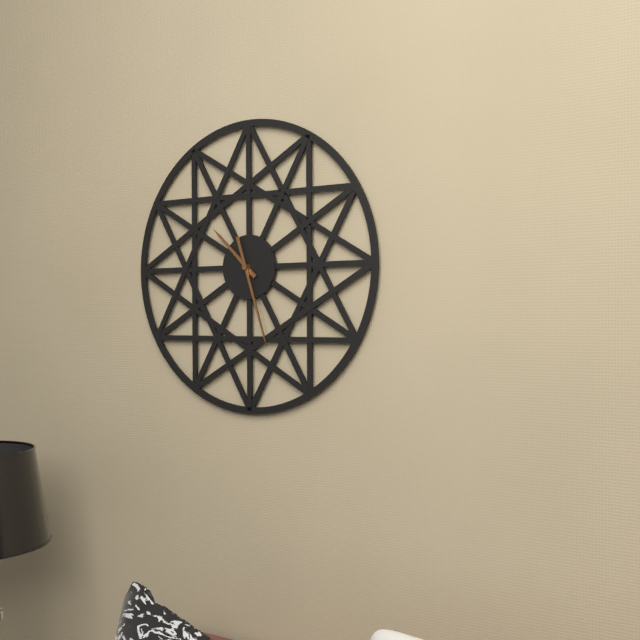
10h27
